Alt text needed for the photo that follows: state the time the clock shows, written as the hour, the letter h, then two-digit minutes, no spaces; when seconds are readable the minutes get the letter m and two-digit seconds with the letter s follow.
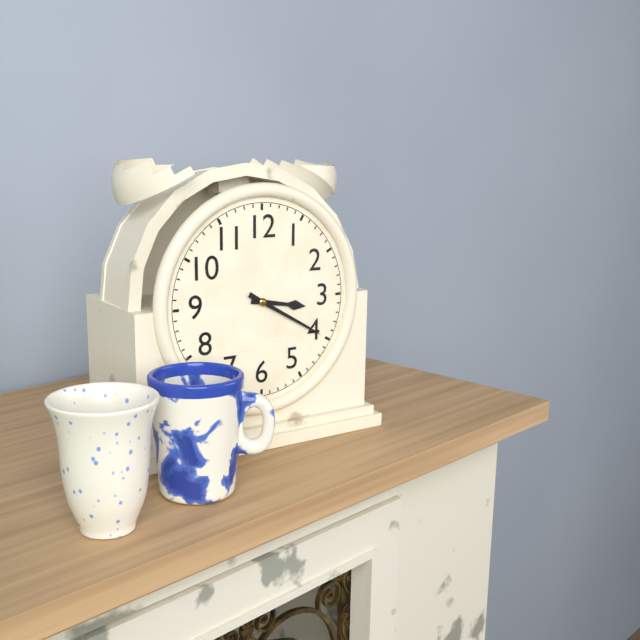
3h20
